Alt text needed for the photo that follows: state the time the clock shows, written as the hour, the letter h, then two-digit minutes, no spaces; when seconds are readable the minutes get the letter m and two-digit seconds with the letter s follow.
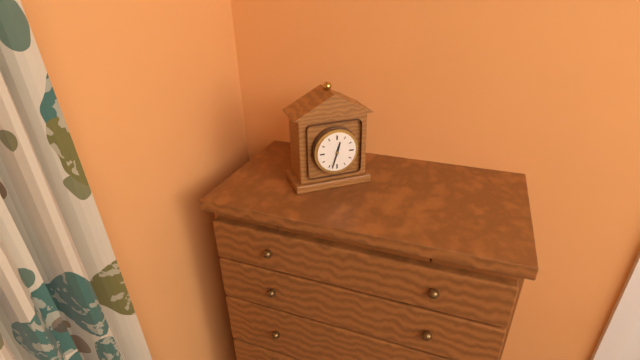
12h33
